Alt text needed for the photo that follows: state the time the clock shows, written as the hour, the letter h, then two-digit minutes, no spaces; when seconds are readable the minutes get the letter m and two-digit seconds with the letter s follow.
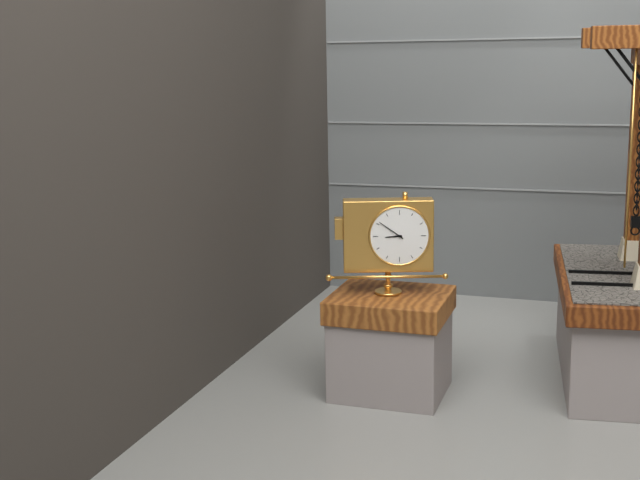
8h51
